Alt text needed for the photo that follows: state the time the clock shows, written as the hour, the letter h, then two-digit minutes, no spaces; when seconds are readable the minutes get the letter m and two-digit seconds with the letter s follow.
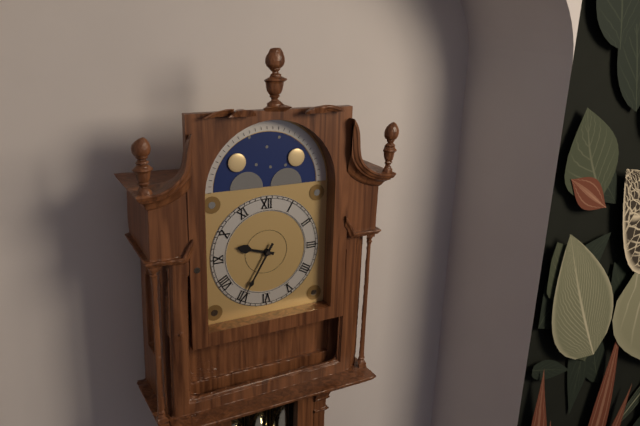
9h35
